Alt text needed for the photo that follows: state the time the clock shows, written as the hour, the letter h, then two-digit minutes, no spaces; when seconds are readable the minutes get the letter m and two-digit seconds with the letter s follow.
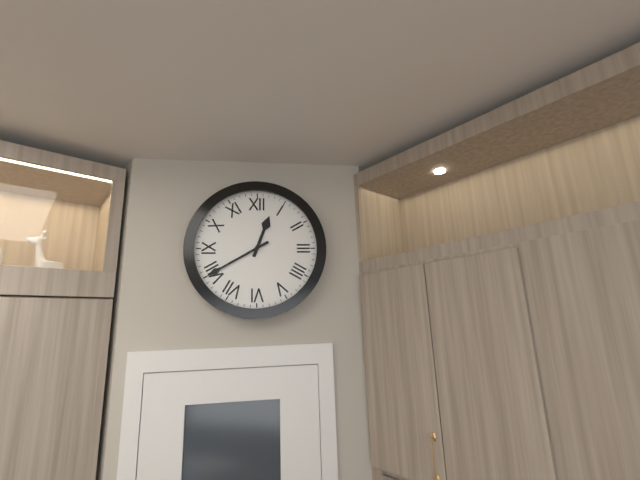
12h40
